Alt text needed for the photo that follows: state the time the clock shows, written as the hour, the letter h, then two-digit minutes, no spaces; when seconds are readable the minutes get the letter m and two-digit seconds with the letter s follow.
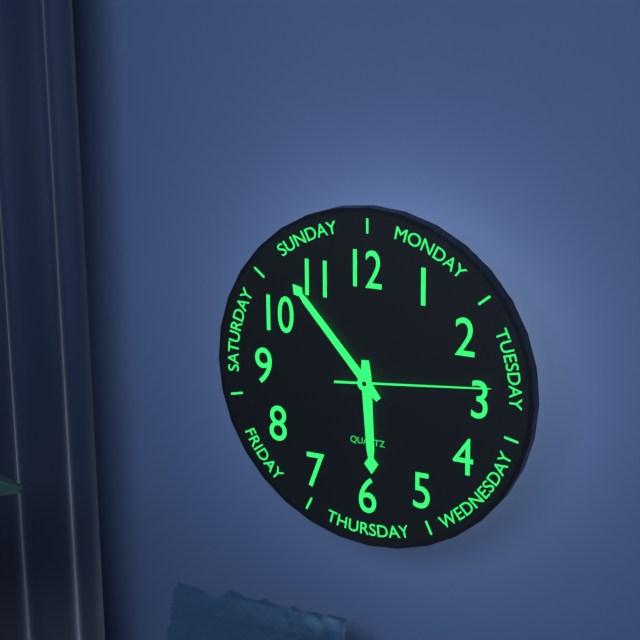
5h53m14s
